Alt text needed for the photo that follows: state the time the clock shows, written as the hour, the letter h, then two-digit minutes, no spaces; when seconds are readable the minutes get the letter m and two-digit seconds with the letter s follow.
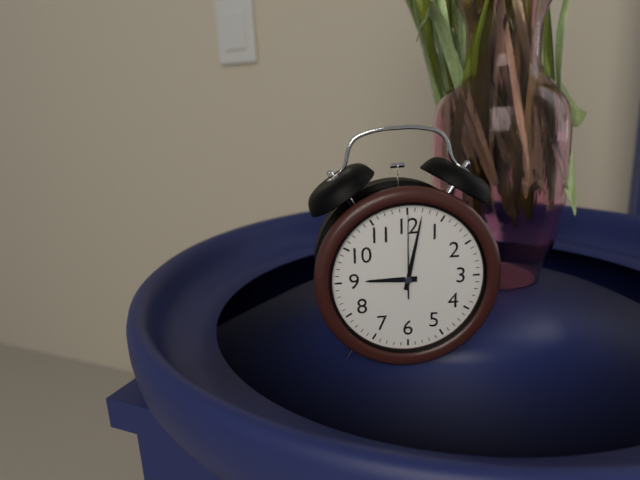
9h02m00s
